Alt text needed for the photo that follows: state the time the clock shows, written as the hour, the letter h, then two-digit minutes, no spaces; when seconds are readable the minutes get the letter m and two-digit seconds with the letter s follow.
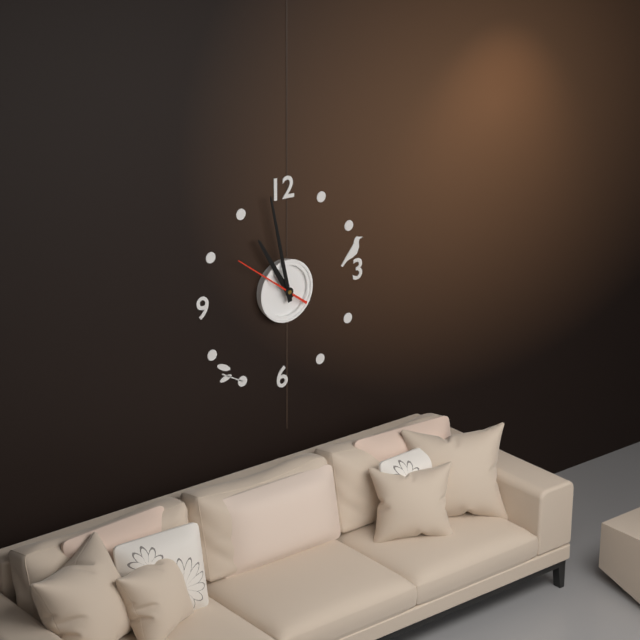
10h58m51s
